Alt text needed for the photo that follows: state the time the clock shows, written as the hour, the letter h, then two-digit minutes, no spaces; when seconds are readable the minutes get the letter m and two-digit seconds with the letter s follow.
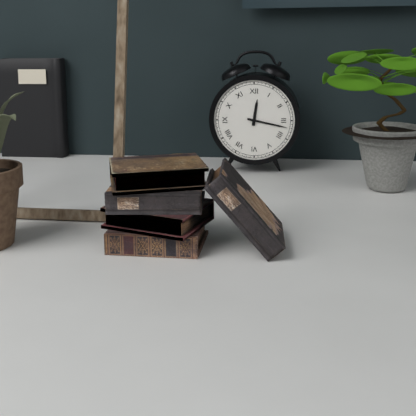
12h17
